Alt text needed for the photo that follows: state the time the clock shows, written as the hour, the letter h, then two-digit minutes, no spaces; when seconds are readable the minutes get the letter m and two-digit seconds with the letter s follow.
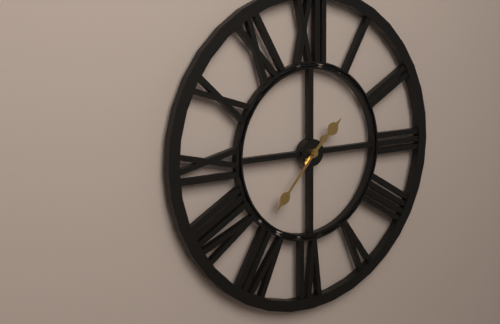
1h37
